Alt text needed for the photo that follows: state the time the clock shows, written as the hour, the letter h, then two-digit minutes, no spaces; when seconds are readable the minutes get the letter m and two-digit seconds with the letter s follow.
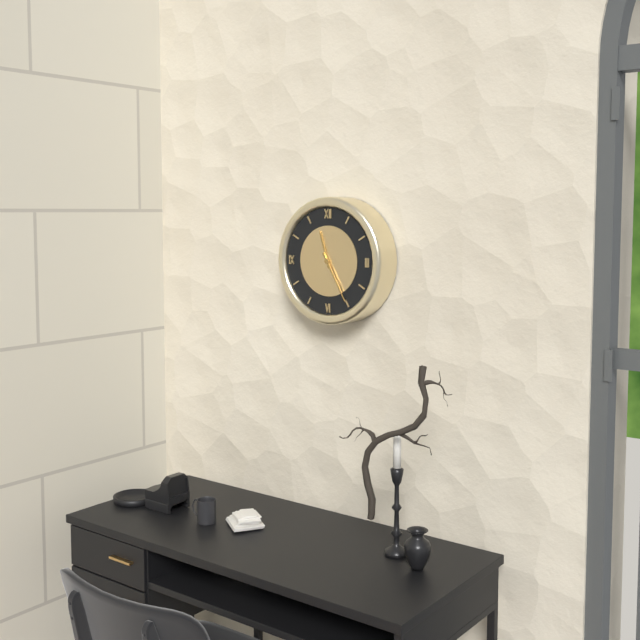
11h25
